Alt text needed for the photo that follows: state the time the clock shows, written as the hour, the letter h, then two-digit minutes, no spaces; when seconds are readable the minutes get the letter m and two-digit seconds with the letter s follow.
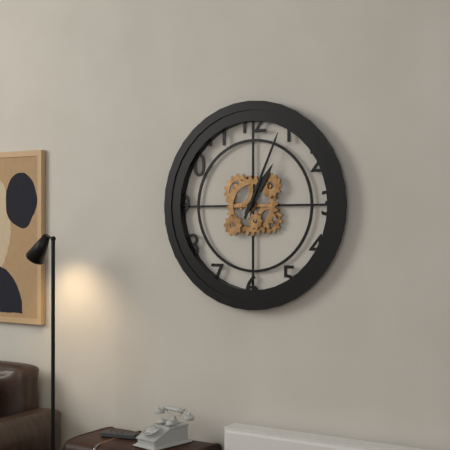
1h04
